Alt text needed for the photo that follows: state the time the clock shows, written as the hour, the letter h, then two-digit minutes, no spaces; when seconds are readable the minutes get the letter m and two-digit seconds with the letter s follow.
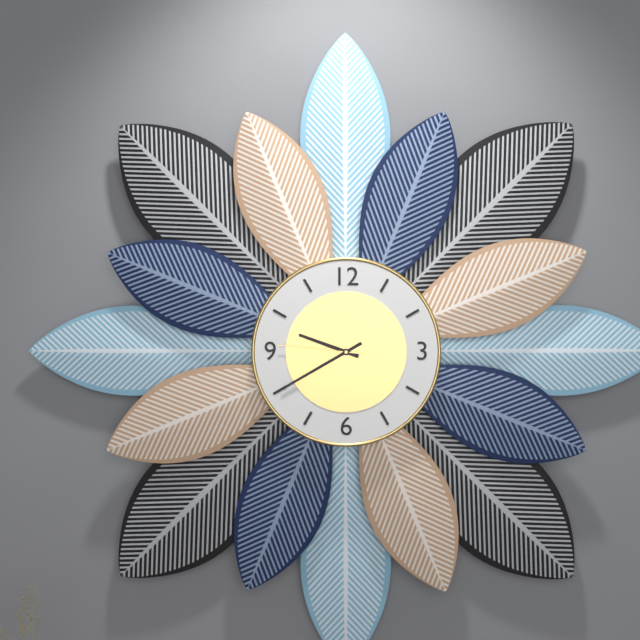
9h40m46s
